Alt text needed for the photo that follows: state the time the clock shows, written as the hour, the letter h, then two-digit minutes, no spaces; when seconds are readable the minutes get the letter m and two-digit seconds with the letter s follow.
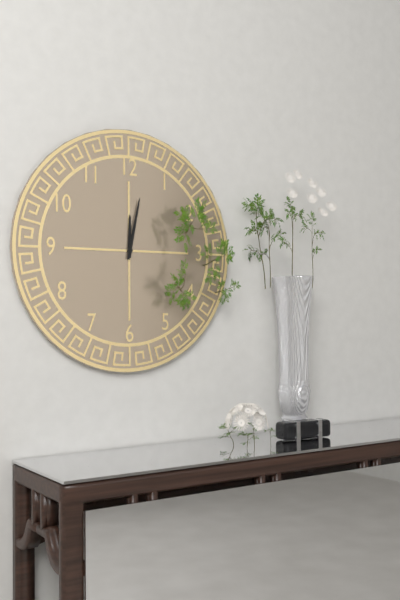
12h02
